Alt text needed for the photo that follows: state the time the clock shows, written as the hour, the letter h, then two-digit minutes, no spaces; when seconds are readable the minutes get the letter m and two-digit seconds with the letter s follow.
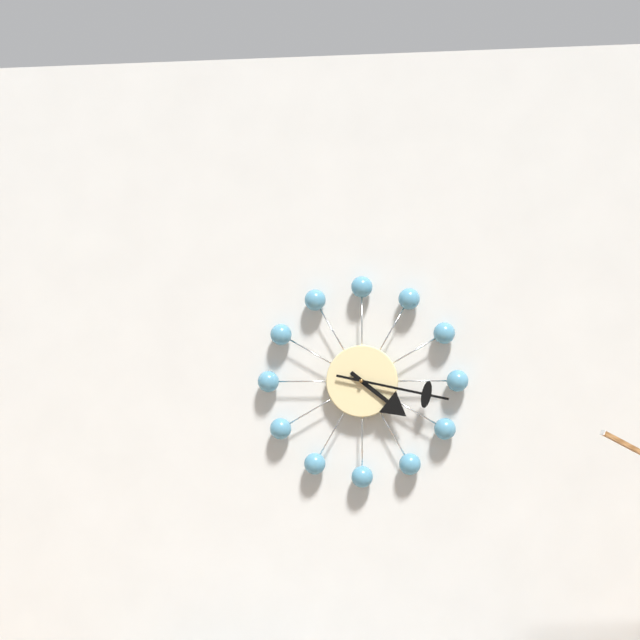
4h17
